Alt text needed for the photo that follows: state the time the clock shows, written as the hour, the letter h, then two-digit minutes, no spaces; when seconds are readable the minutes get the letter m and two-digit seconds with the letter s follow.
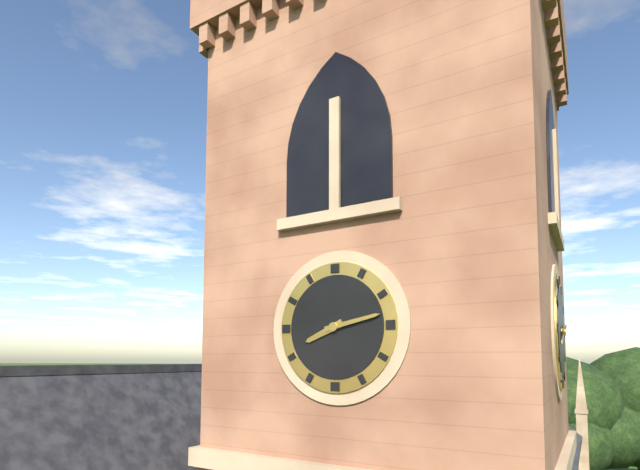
8h13
